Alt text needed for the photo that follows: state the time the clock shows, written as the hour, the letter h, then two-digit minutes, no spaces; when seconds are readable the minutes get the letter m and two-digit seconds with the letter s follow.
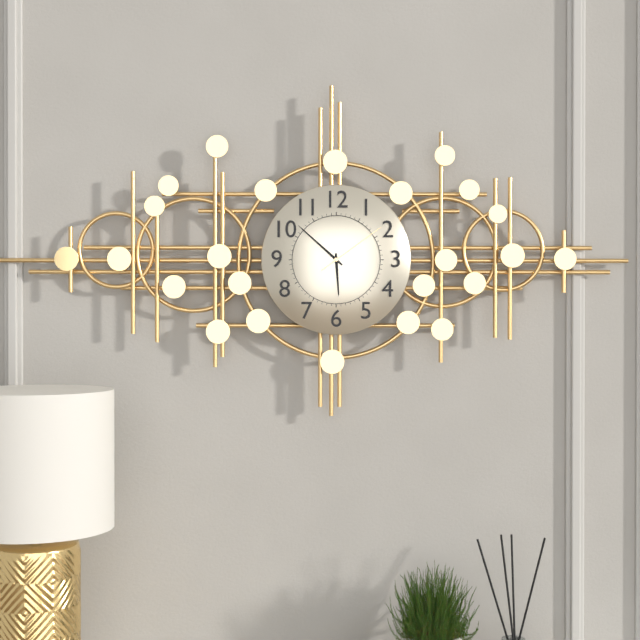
5h52m09s
